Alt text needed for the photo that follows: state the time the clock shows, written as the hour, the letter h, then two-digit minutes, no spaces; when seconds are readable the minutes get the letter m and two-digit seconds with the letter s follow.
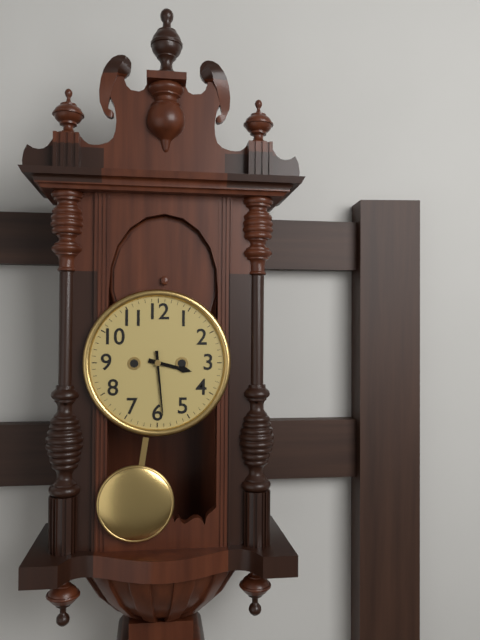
3h29
